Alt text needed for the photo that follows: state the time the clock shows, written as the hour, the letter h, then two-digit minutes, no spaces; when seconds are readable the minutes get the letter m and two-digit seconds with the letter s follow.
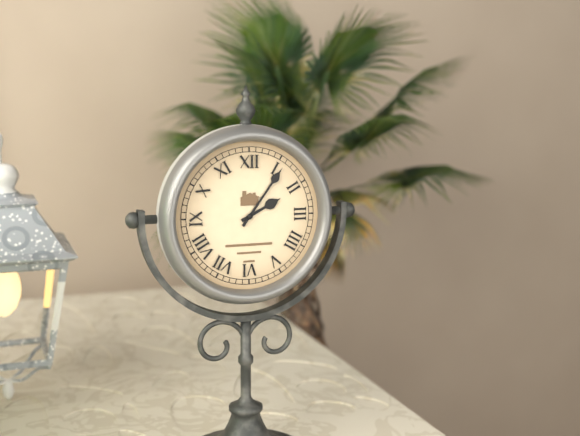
2h06
